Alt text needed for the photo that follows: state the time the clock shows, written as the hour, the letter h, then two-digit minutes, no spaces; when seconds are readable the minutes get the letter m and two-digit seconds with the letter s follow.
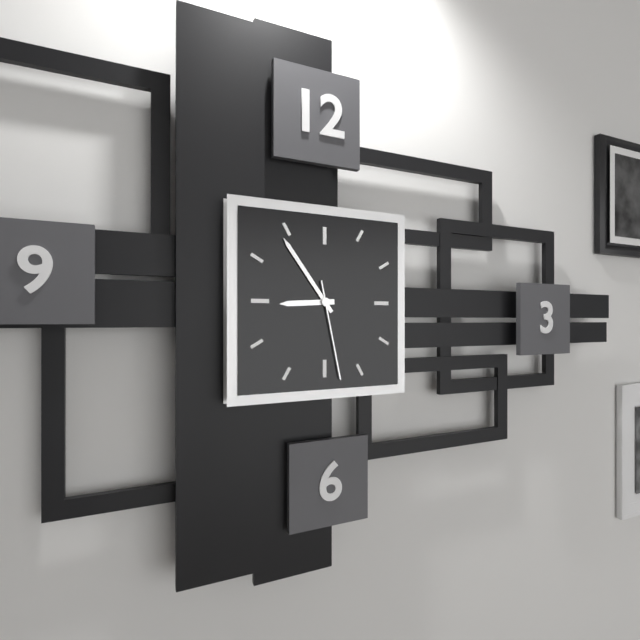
8h54m28s
